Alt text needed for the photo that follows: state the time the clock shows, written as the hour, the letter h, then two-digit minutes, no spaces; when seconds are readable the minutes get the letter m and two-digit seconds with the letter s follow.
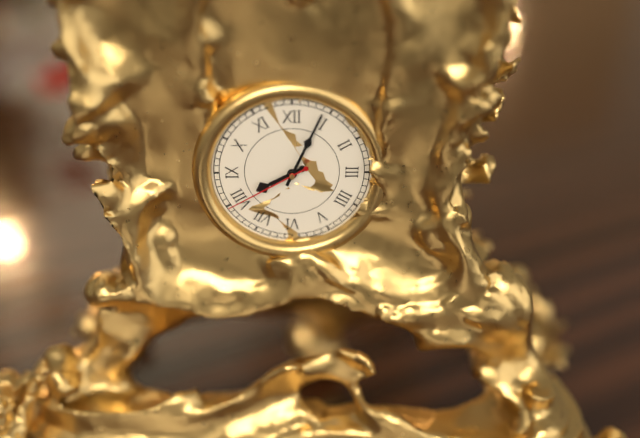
8h04m40s
